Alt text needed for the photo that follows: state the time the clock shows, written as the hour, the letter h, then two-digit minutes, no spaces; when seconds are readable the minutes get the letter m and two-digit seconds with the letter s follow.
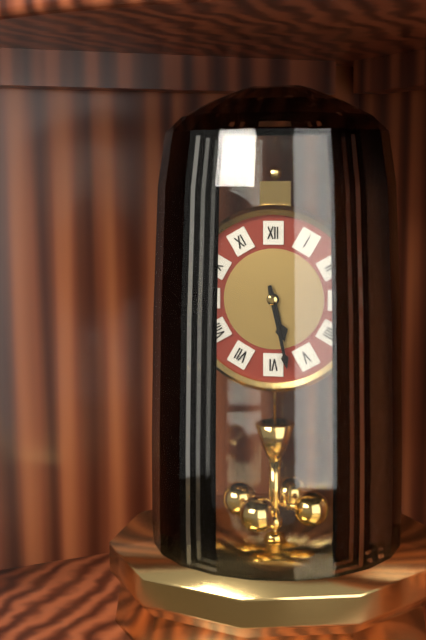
5h28
